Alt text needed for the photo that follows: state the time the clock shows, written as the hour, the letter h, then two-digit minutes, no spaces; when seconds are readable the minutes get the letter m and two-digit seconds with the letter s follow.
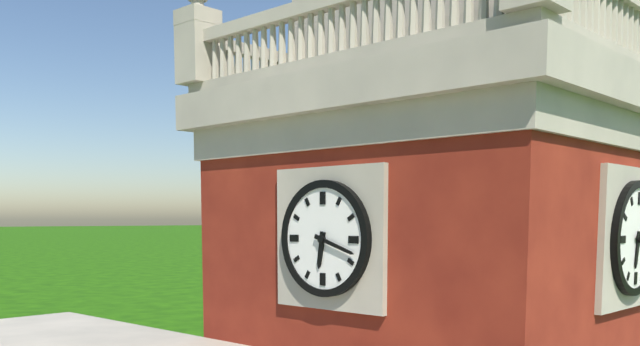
6h18
